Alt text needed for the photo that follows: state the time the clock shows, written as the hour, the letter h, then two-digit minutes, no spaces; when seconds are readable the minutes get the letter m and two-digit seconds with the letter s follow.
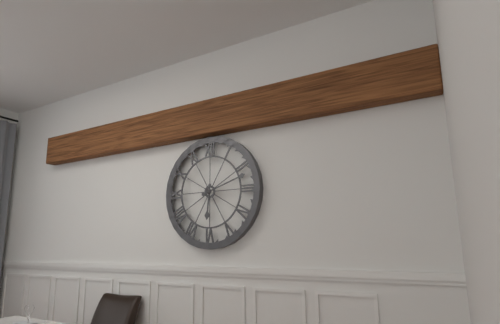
6h12
